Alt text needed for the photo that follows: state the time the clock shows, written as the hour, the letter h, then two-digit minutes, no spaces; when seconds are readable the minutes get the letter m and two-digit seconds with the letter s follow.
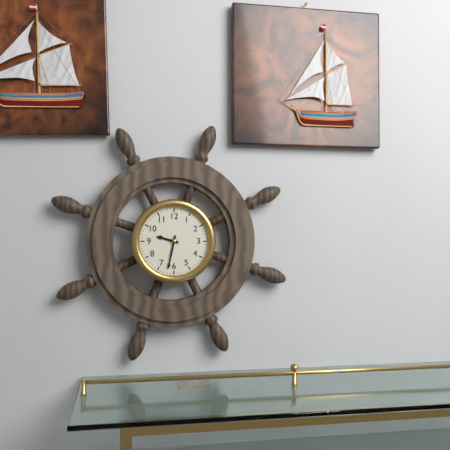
9h32
